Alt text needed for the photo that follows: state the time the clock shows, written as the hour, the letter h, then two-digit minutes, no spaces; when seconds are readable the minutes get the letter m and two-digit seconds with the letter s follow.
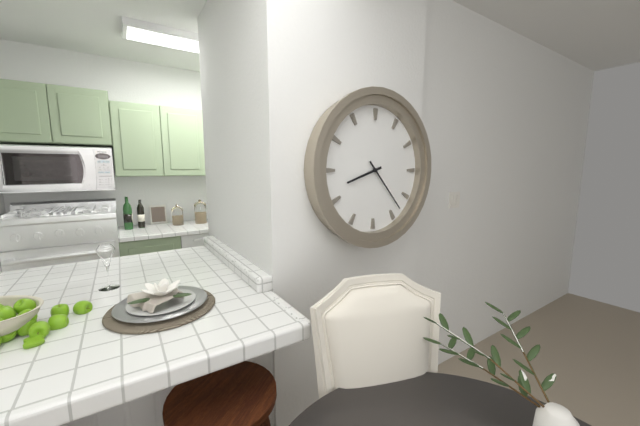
8h23
